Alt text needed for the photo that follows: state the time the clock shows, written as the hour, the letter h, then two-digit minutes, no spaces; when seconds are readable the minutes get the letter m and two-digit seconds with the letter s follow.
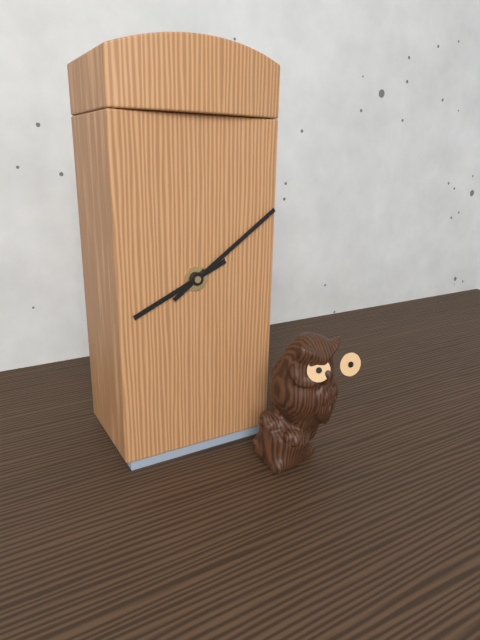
8h09
